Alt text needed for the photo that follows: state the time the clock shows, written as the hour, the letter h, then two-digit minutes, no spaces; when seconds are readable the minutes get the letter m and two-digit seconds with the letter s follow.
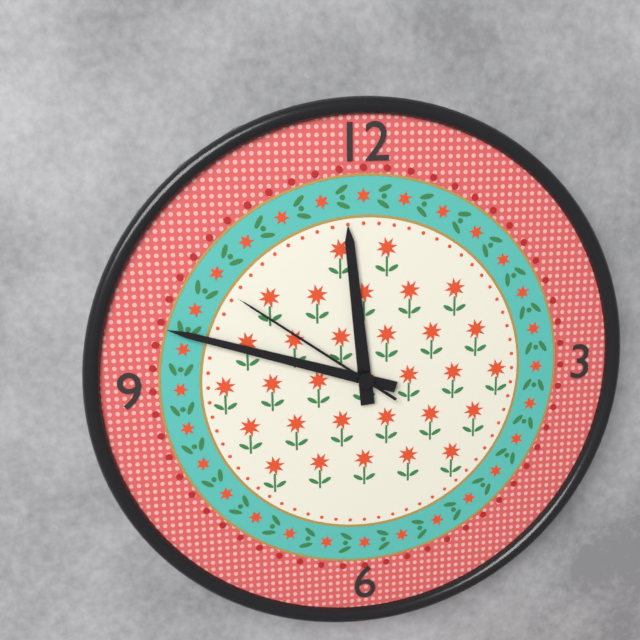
11h48m51s
